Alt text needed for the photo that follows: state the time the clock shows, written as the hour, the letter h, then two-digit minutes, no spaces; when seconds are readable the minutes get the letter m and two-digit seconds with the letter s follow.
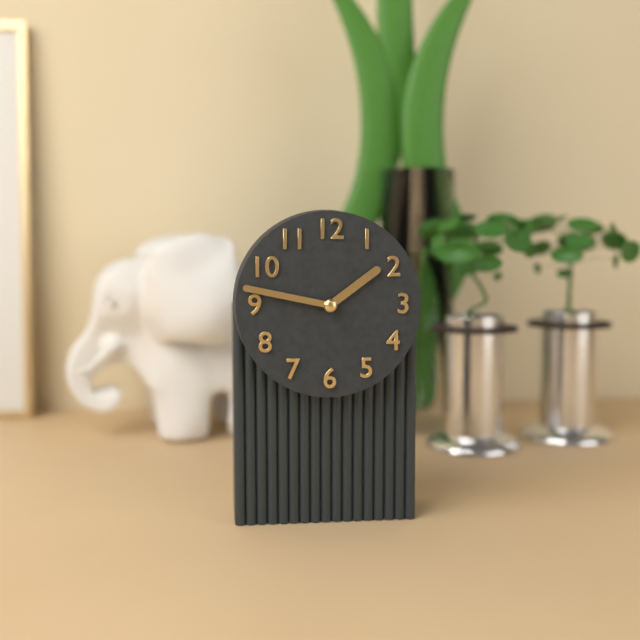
1h47
